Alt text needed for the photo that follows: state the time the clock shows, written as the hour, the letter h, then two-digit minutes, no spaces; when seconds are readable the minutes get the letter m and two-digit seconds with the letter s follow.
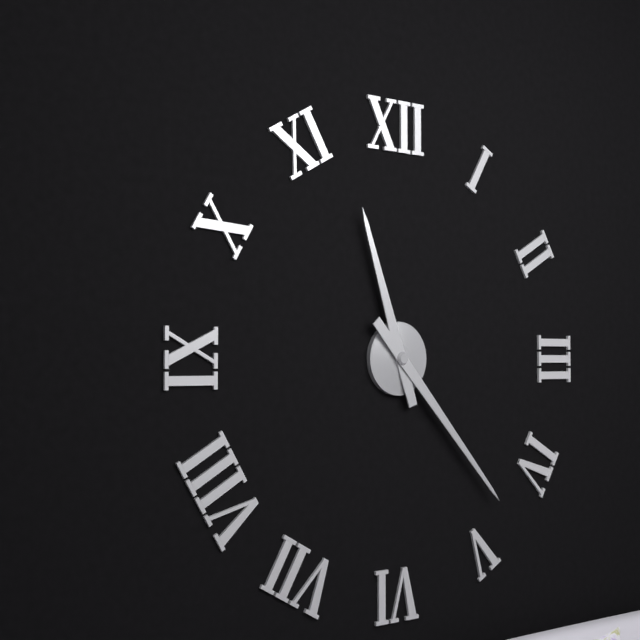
11h23
